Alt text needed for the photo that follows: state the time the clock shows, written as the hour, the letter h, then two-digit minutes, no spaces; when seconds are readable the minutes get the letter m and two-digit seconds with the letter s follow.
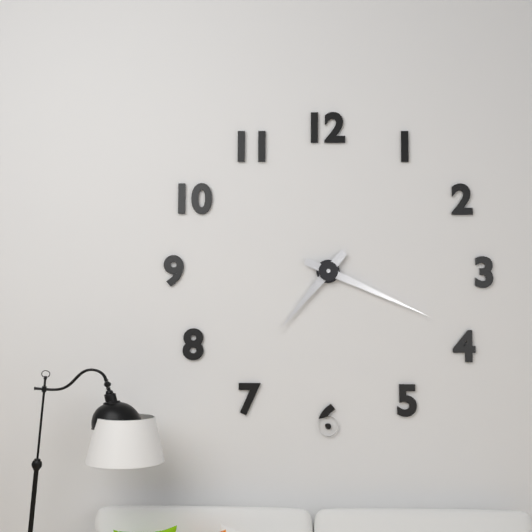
7h19
